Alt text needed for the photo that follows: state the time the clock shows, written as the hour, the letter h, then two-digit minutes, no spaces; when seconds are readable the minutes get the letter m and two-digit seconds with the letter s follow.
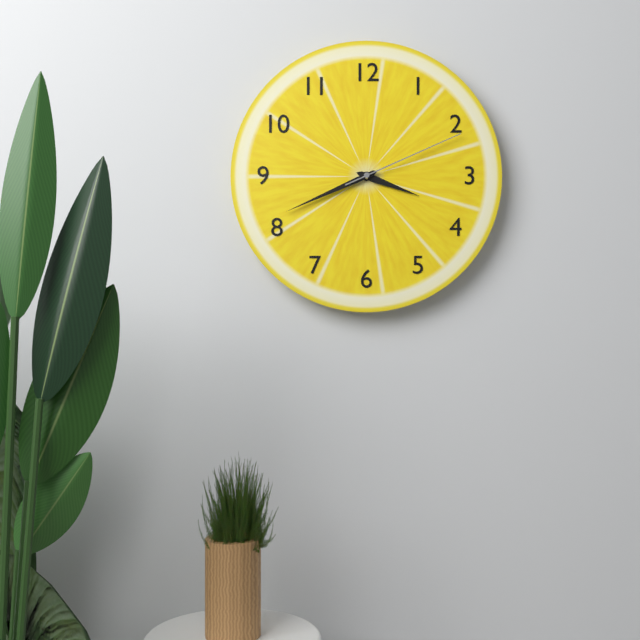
3h41m11s
